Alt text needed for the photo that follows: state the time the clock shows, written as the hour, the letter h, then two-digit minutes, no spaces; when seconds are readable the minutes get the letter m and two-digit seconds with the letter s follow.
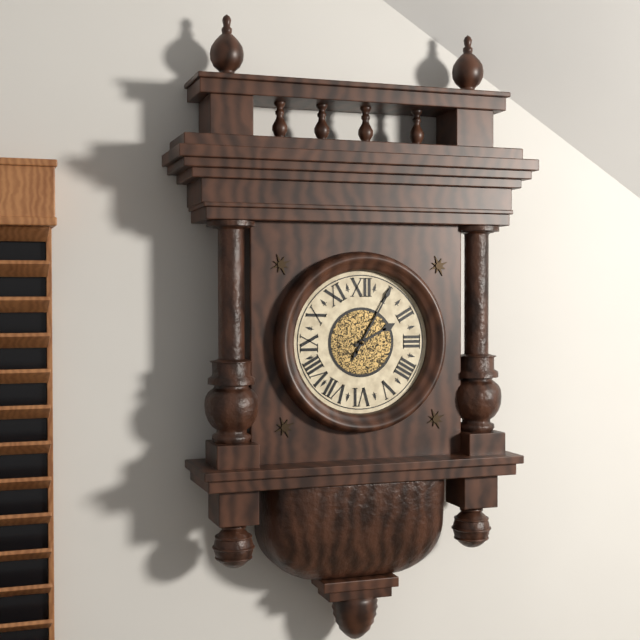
2h05
